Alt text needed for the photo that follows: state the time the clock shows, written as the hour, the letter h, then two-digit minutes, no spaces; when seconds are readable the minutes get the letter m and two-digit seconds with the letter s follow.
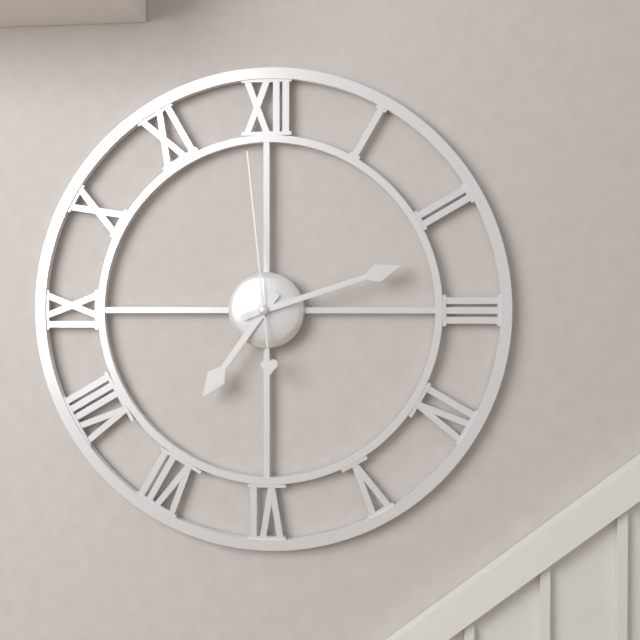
7h12m59s
